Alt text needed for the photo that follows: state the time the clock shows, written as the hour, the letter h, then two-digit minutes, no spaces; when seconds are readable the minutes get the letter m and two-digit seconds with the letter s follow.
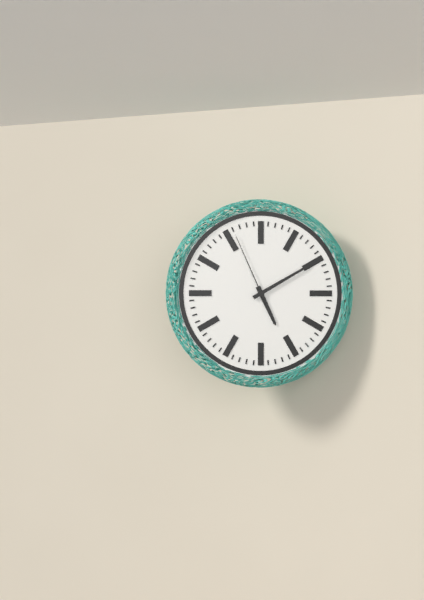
5h10m56s
